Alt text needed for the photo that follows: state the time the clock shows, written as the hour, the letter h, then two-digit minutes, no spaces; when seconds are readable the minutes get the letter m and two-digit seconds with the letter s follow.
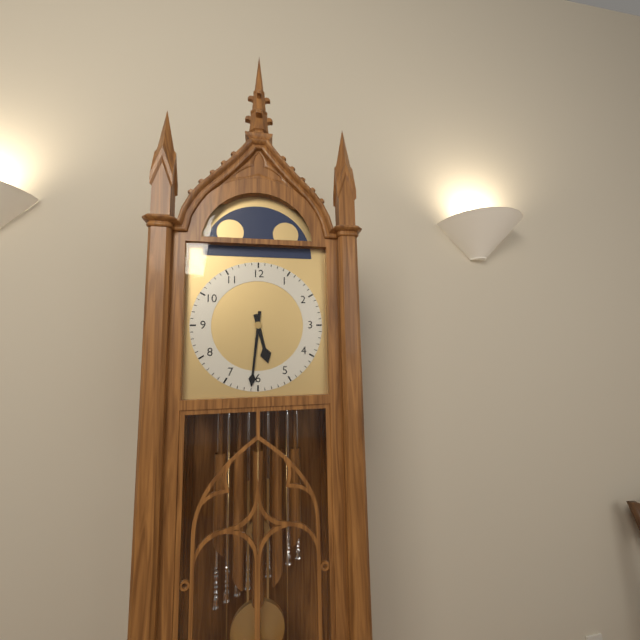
5h31
